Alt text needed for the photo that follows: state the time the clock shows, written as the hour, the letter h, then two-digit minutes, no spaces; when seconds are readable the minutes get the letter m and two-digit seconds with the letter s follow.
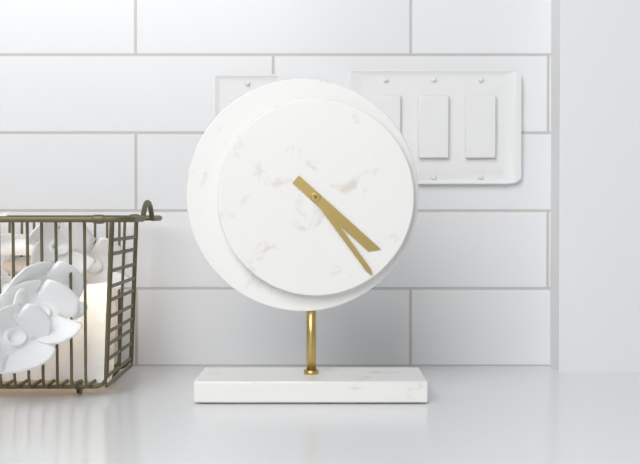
4h24
